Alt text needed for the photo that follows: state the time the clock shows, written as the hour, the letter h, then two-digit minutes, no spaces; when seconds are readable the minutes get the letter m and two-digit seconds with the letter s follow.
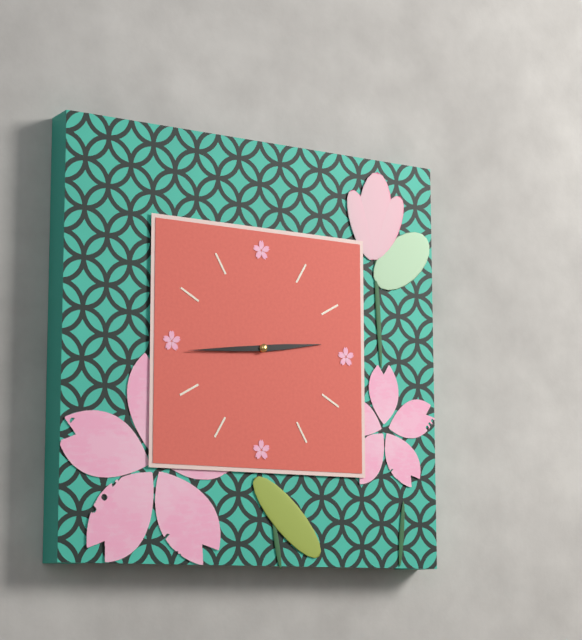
2h44
